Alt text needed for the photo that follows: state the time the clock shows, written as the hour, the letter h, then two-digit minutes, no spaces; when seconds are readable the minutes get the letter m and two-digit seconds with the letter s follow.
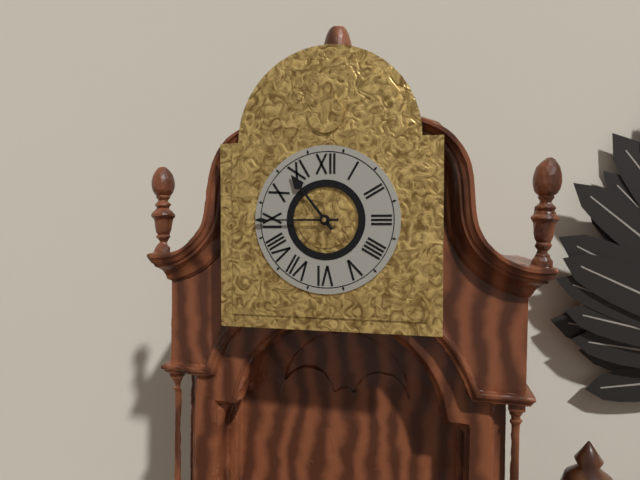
10h45
